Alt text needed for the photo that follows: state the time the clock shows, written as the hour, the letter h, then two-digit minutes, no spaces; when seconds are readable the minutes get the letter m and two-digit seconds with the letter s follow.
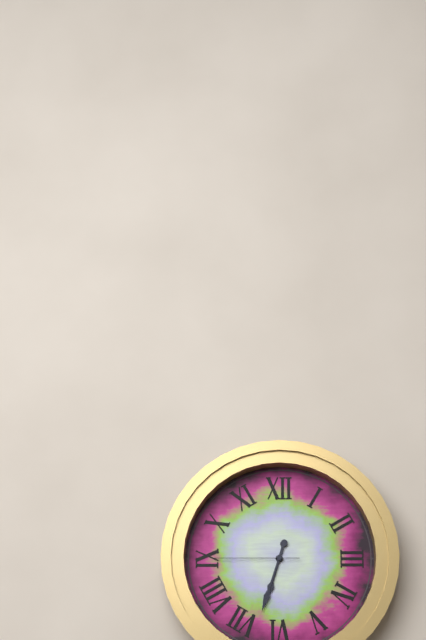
6h33m45s
